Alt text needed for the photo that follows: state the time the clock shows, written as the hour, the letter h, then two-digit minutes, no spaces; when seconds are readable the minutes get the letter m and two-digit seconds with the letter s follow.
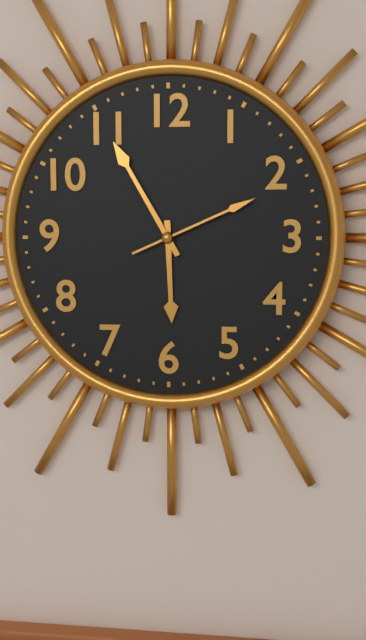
5h55m11s
